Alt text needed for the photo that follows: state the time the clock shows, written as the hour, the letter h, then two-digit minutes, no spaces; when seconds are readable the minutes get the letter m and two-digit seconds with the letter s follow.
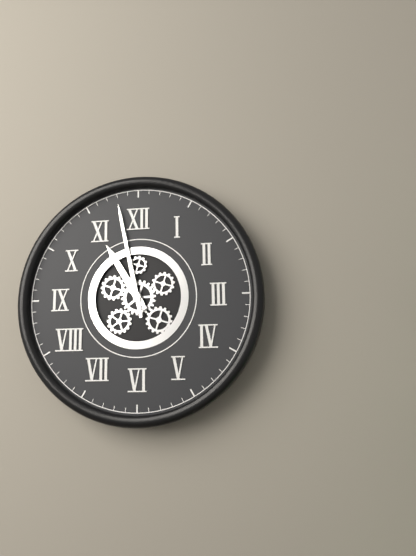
10h58
